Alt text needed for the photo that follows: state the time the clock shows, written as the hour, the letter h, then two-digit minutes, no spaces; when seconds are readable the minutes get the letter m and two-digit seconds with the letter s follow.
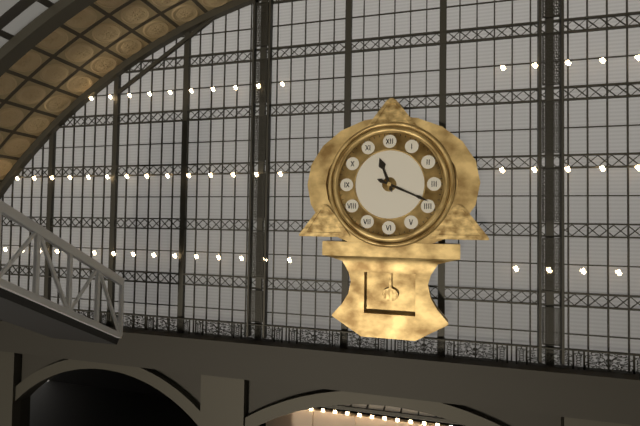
11h19
